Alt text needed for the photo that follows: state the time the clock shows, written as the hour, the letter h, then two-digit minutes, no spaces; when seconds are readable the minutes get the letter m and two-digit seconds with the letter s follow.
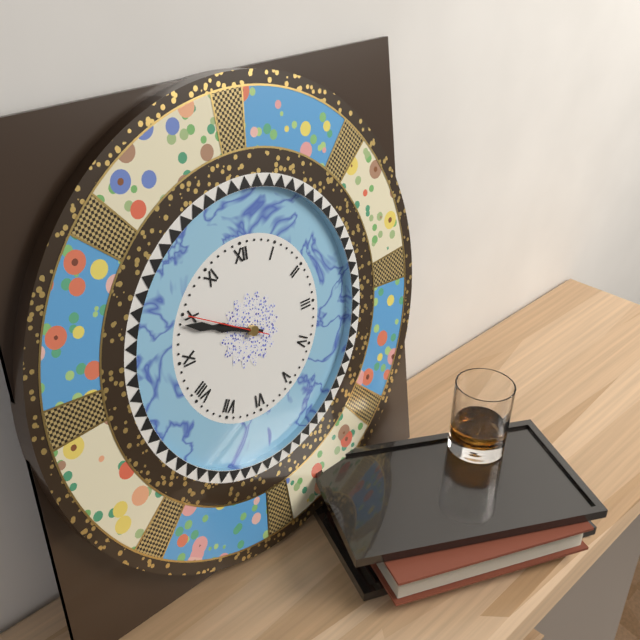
9h49m50s
